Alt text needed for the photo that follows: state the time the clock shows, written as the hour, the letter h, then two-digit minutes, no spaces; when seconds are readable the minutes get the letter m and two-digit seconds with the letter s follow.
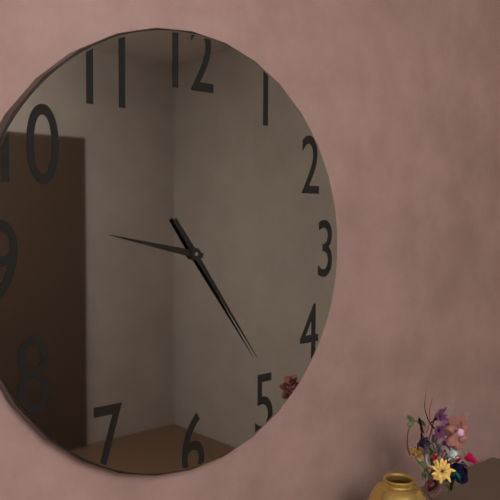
9h24
